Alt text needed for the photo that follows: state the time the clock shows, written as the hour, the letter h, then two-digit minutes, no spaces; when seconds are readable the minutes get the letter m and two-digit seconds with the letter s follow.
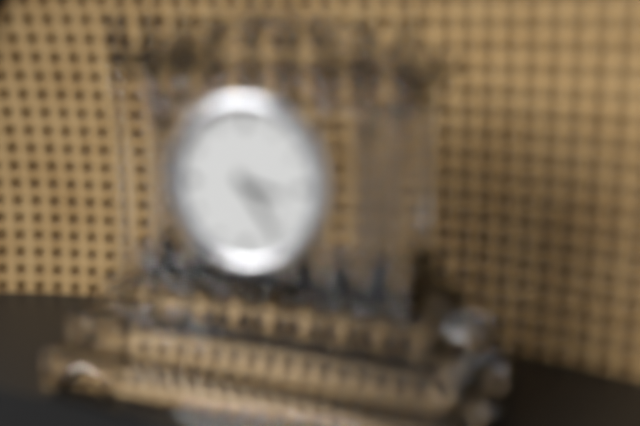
3h24
